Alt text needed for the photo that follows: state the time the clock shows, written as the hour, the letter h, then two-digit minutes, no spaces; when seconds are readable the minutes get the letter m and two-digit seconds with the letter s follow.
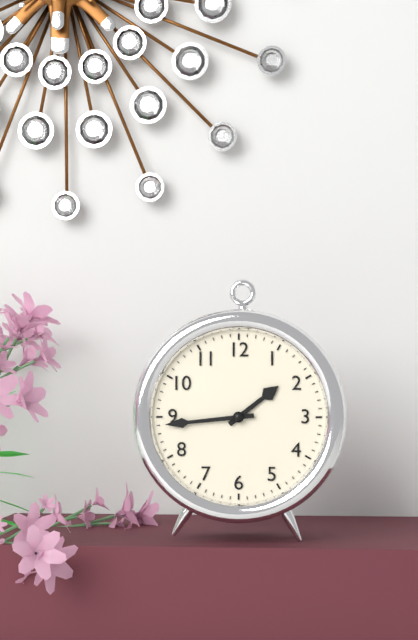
1h44
